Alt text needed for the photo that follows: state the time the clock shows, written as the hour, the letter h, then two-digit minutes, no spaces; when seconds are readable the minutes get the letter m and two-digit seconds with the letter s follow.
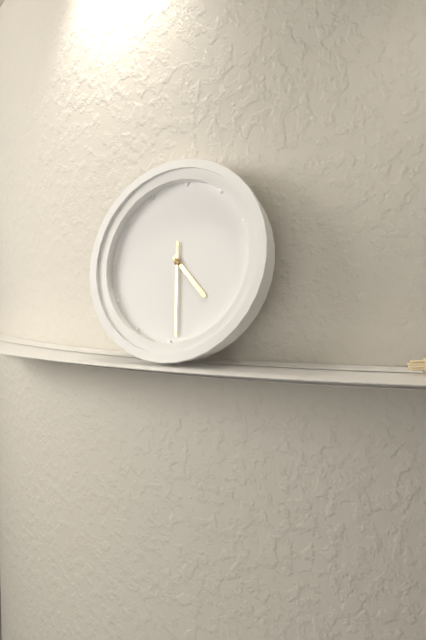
4h29
